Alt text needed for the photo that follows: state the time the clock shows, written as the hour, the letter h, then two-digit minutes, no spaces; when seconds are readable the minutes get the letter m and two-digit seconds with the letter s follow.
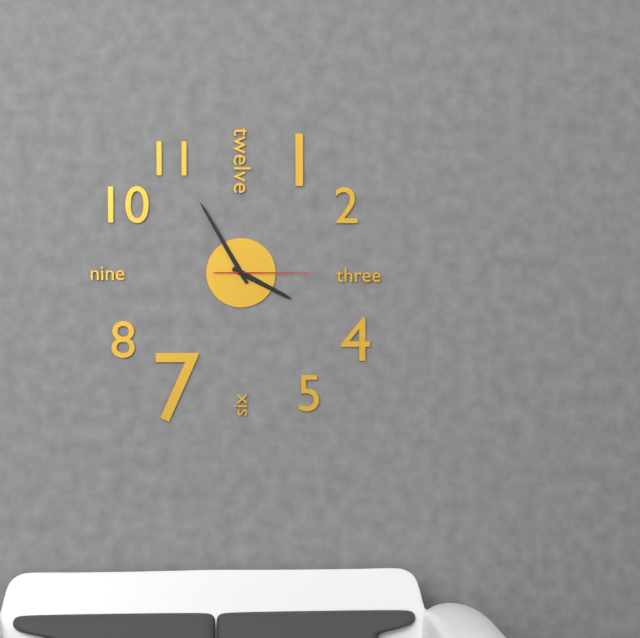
3h55m15s
